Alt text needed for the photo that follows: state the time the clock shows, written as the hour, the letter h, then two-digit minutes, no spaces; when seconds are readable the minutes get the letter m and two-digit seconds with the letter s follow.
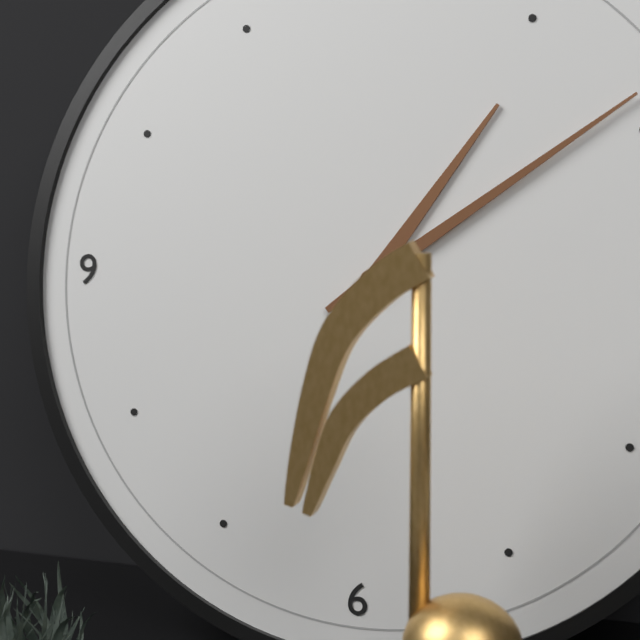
1h09
